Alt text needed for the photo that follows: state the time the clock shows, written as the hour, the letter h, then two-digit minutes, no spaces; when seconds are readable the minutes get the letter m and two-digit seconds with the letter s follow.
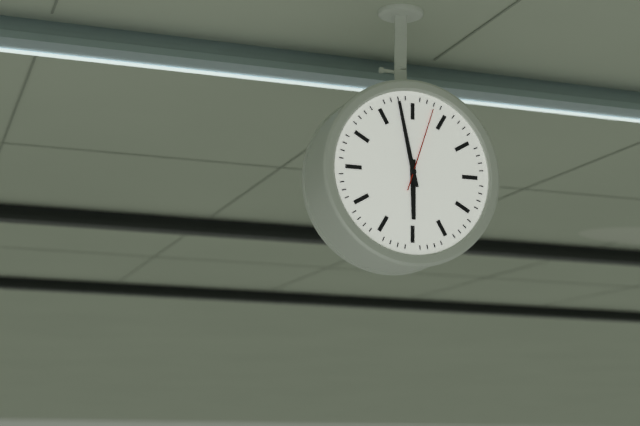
5h58m03s
